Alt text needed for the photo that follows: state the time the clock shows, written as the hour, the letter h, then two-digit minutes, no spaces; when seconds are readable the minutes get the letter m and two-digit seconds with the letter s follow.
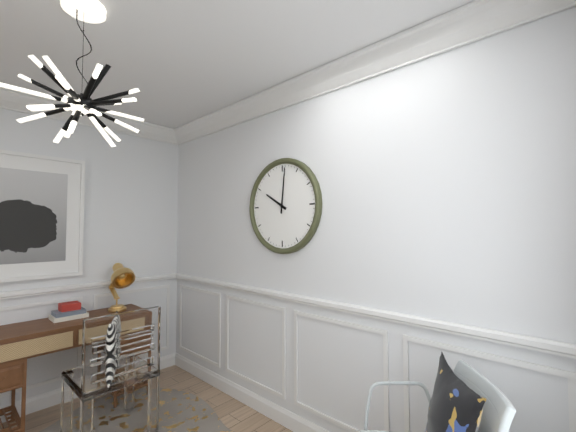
10h01
